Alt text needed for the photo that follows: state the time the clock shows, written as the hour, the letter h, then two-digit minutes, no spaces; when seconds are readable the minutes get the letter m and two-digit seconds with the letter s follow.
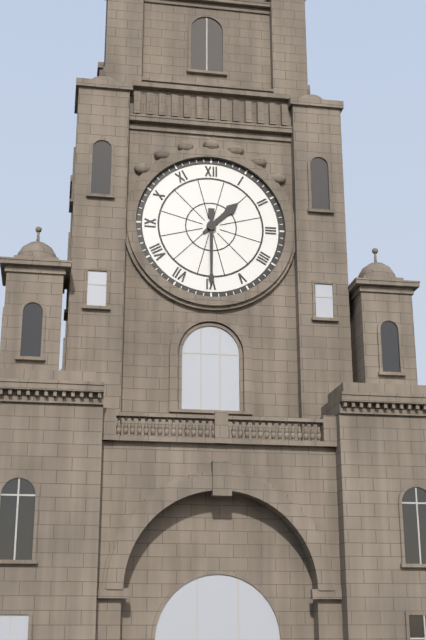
1h30
